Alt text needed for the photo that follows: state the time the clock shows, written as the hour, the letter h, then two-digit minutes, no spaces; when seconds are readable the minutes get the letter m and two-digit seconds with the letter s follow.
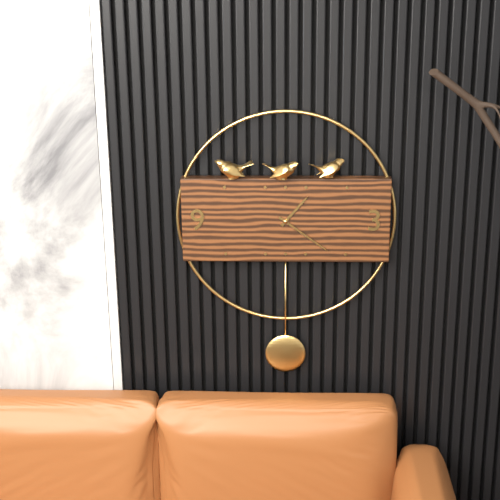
1h21
